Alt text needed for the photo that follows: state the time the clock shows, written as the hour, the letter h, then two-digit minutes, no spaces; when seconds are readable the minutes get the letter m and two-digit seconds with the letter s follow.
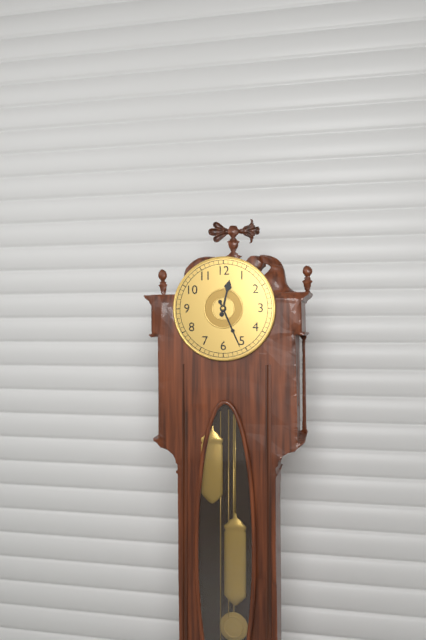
12h26
